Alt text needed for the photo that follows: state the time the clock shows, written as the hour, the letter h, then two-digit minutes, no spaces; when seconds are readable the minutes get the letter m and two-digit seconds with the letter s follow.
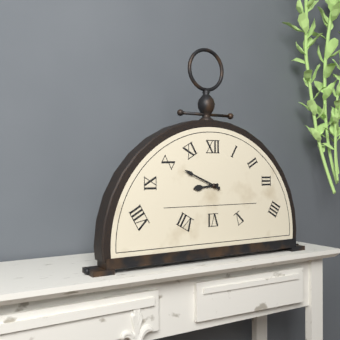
8h49
